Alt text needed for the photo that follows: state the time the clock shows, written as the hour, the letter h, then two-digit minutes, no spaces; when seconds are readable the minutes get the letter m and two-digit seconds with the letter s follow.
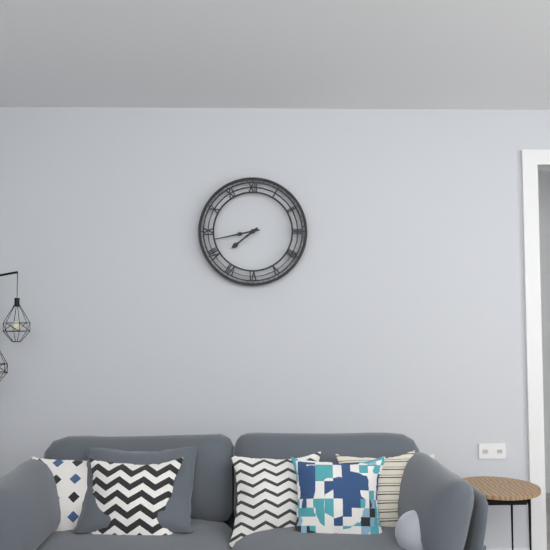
7h43
